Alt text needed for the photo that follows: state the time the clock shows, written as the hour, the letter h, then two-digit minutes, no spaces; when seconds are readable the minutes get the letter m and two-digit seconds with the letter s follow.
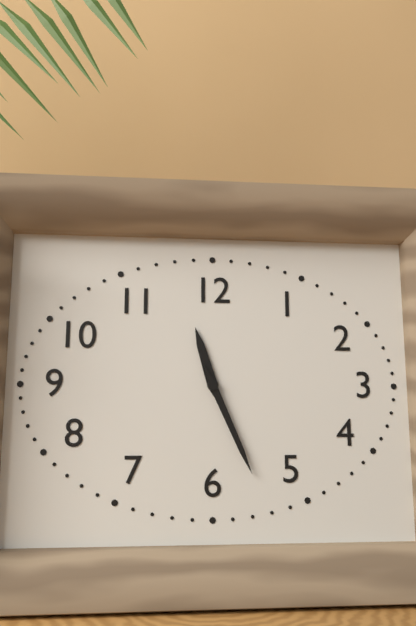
11h26
